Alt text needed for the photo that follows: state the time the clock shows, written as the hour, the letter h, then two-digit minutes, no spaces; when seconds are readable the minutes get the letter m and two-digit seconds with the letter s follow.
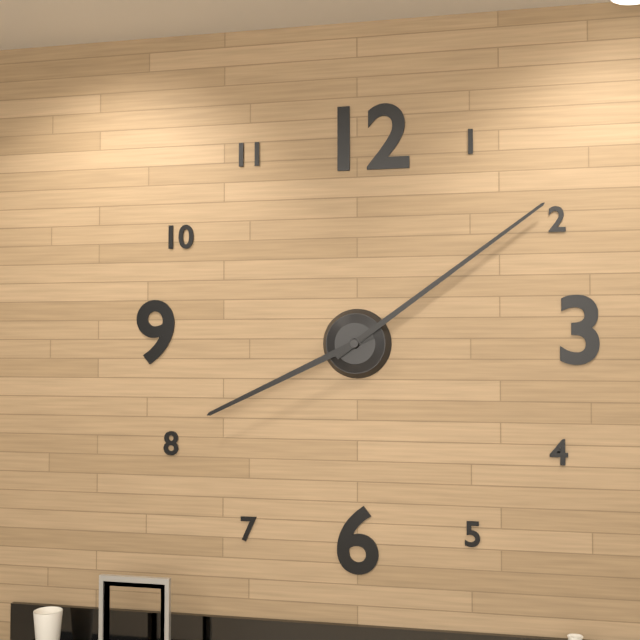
8h09
